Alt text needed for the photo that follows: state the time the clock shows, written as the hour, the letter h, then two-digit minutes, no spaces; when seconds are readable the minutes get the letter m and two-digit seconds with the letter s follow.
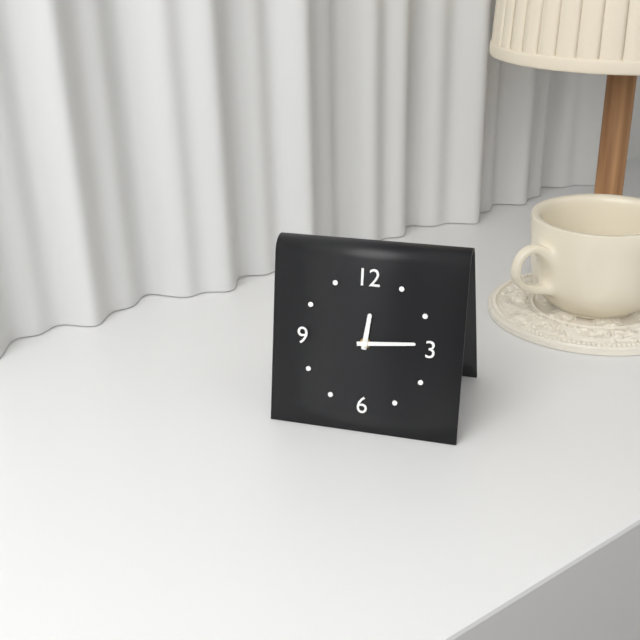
12h14
